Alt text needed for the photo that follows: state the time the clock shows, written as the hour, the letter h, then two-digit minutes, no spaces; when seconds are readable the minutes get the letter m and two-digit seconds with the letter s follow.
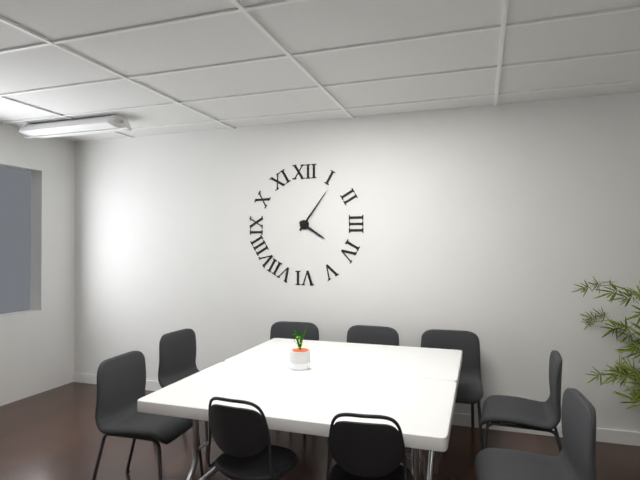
4h06
